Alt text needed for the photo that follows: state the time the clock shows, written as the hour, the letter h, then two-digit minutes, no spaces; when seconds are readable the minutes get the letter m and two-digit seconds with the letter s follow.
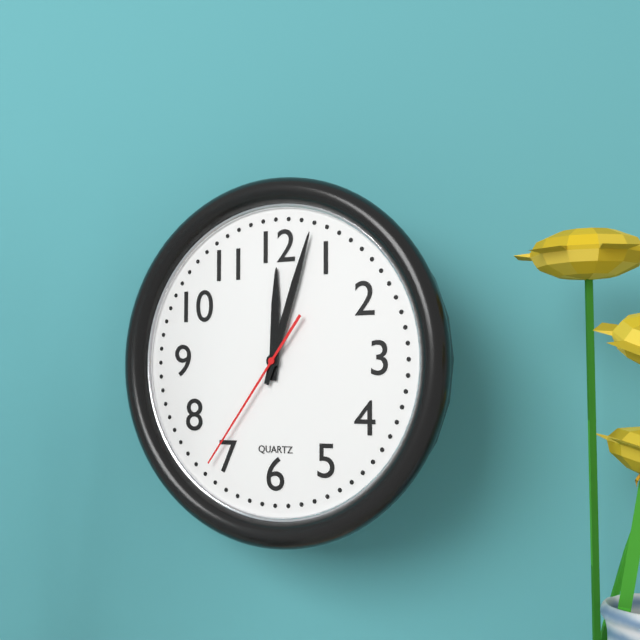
12h03m36s
